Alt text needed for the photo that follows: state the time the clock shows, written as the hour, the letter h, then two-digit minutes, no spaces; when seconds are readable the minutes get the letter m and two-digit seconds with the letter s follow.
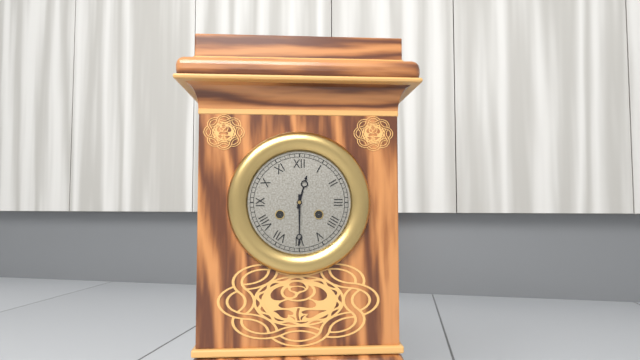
12h30
